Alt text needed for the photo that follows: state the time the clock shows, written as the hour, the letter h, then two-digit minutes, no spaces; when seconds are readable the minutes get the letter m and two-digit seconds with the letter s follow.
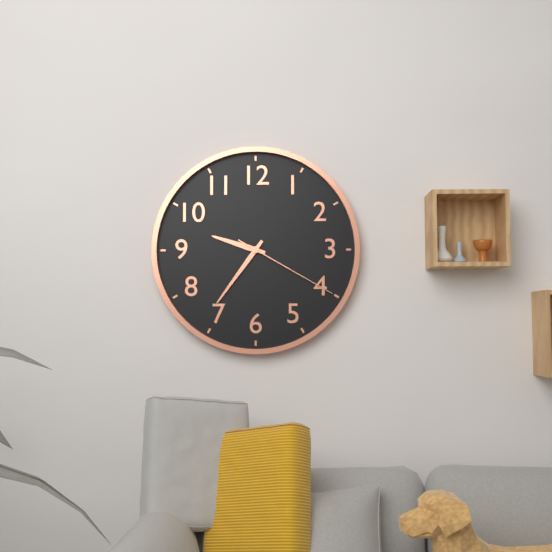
9h36m20s
